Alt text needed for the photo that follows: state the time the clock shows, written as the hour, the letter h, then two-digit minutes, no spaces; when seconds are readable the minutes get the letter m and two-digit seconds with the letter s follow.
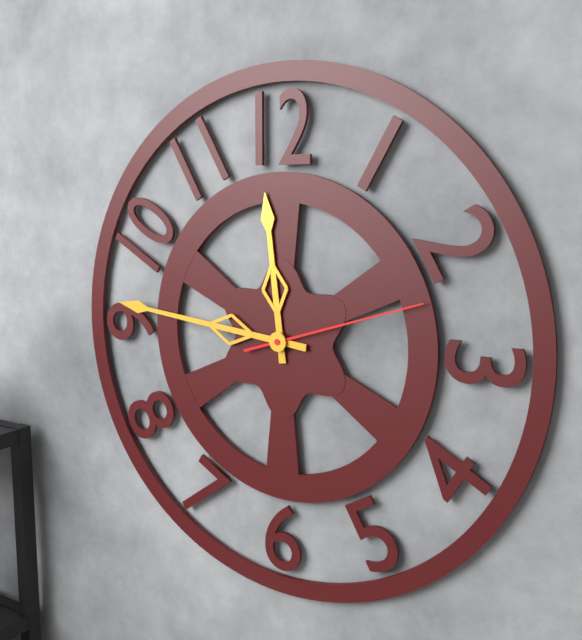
11h46m12s
